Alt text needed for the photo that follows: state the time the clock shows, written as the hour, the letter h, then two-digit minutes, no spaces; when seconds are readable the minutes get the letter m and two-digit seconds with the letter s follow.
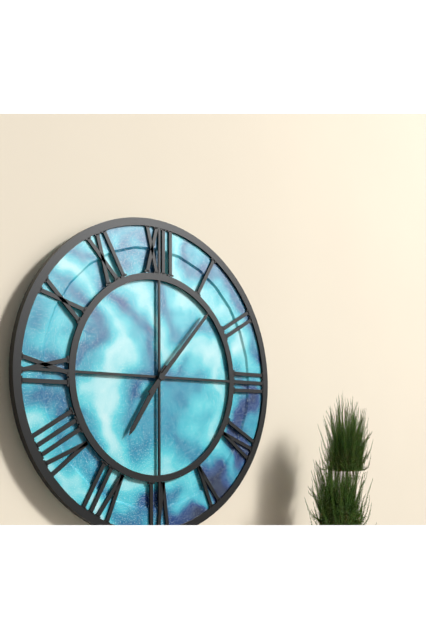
7h07
